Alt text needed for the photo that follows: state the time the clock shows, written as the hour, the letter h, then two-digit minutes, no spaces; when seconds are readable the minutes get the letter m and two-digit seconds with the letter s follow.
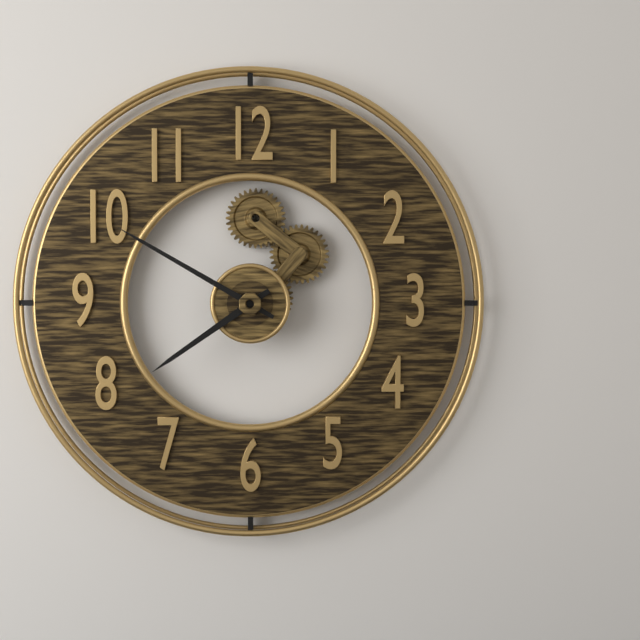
7h50
